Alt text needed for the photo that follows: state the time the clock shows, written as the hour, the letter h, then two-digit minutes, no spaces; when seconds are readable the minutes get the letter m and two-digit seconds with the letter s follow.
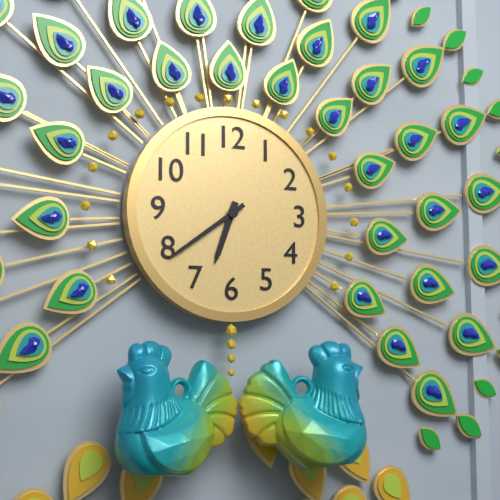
6h39
